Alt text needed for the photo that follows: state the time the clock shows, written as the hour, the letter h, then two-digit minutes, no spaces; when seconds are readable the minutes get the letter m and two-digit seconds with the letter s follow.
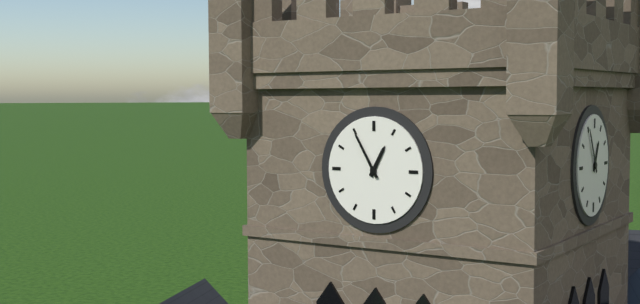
12h55
